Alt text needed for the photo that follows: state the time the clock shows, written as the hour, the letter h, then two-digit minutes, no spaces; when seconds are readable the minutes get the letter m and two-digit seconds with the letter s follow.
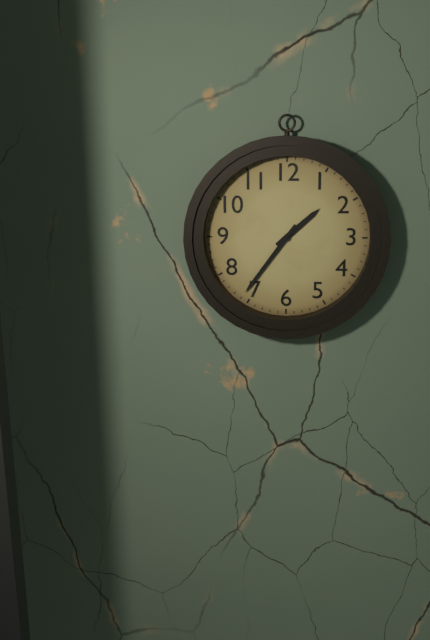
1h36
